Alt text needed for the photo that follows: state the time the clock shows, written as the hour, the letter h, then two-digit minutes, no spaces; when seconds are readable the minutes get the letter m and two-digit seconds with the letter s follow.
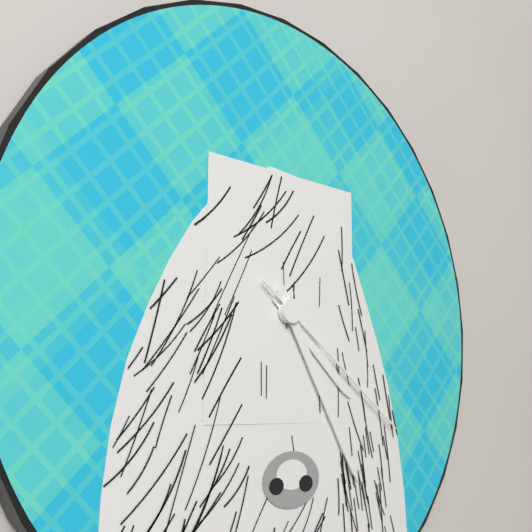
4h25m21s
